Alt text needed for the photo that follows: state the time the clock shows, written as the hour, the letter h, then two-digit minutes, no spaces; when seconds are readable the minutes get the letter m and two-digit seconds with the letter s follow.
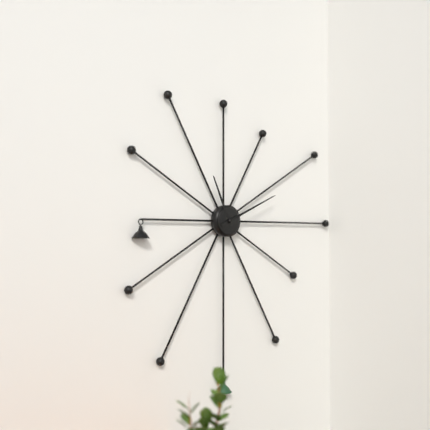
11h11
